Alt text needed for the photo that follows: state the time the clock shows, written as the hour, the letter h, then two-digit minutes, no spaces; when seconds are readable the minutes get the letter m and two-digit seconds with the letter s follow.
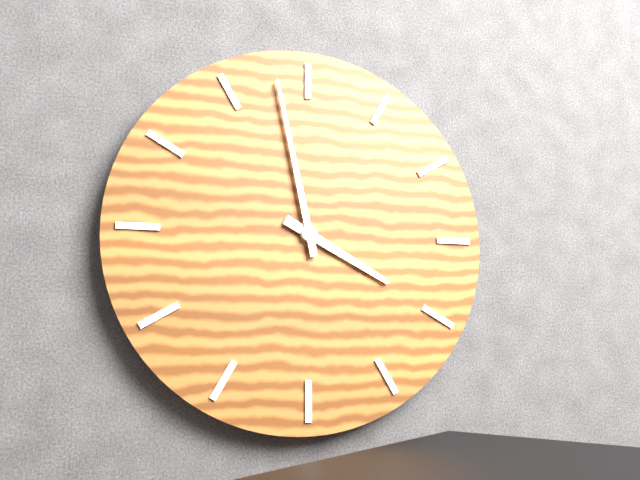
3h58
